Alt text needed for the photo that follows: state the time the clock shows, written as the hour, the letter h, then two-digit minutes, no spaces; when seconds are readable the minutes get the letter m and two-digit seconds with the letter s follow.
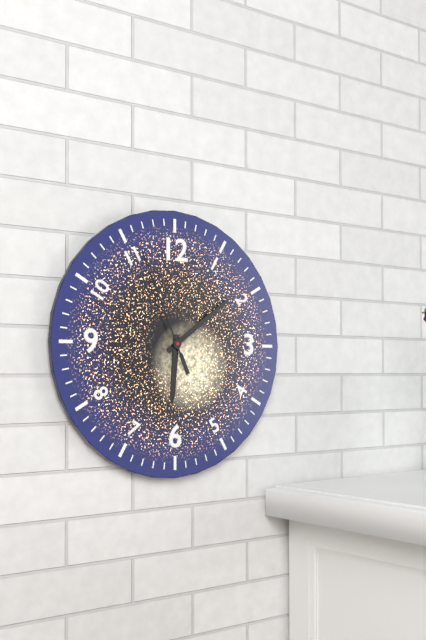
6h09m56s
